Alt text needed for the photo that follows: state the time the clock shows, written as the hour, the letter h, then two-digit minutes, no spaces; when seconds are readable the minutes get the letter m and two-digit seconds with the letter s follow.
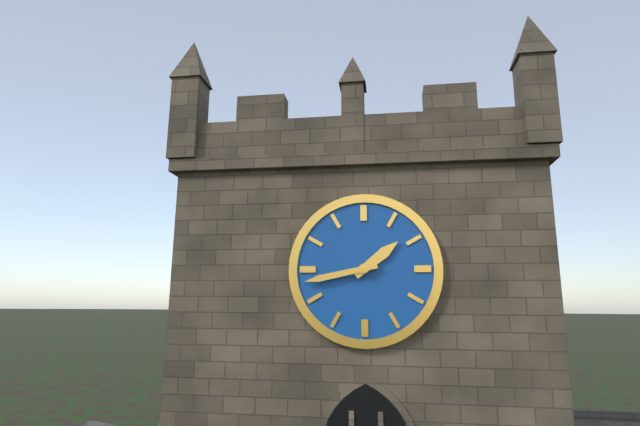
1h43
